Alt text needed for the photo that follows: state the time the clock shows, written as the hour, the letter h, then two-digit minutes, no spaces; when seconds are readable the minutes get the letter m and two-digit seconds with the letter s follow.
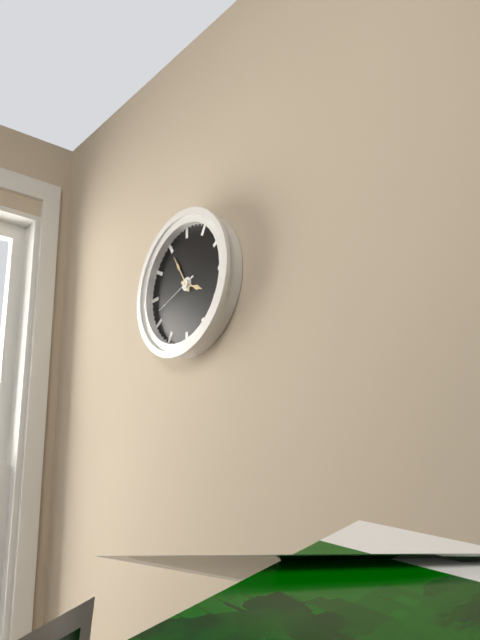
3h55m42s
